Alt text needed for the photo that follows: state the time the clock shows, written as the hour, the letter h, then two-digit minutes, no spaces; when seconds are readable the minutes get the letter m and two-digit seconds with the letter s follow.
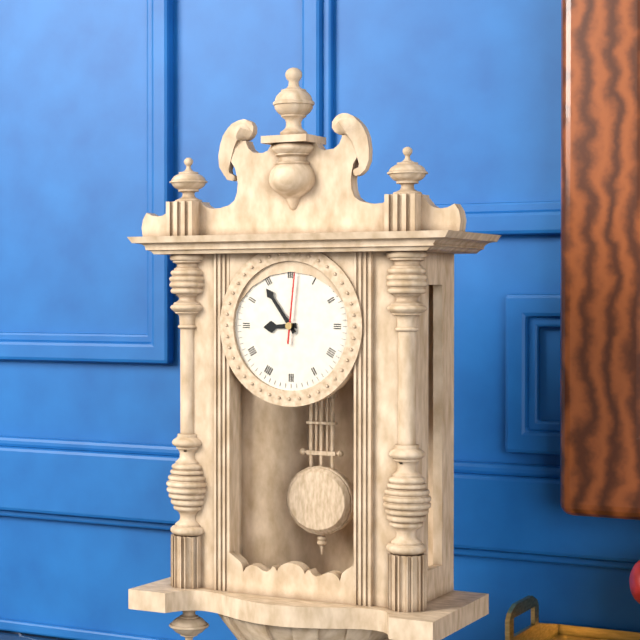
8h54m01s
